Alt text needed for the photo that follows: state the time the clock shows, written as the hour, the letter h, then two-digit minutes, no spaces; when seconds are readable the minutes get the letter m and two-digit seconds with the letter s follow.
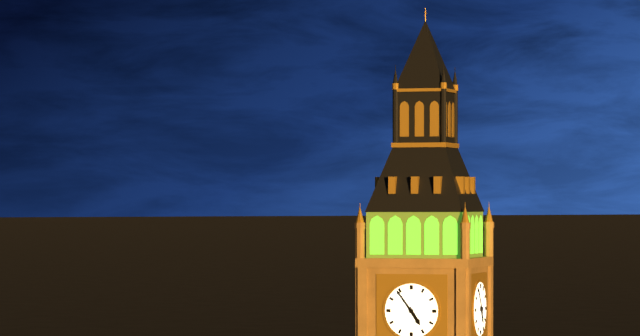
4h54
